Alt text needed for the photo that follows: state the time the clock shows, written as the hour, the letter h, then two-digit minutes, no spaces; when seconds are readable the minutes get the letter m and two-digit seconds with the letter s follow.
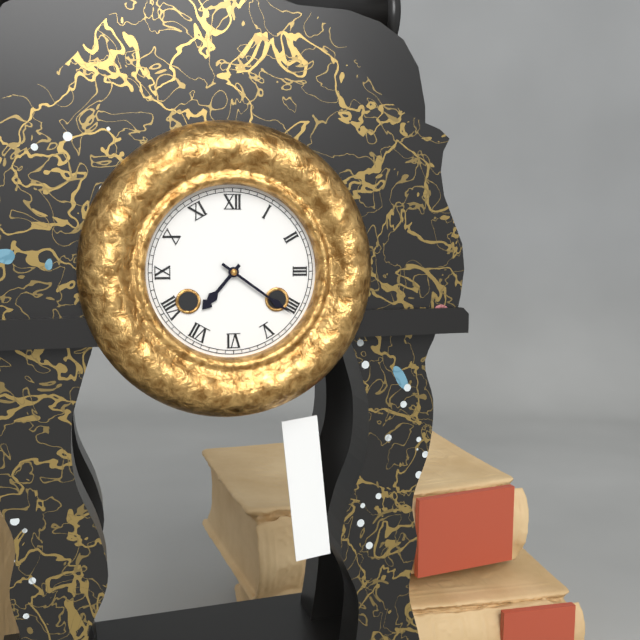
7h21
